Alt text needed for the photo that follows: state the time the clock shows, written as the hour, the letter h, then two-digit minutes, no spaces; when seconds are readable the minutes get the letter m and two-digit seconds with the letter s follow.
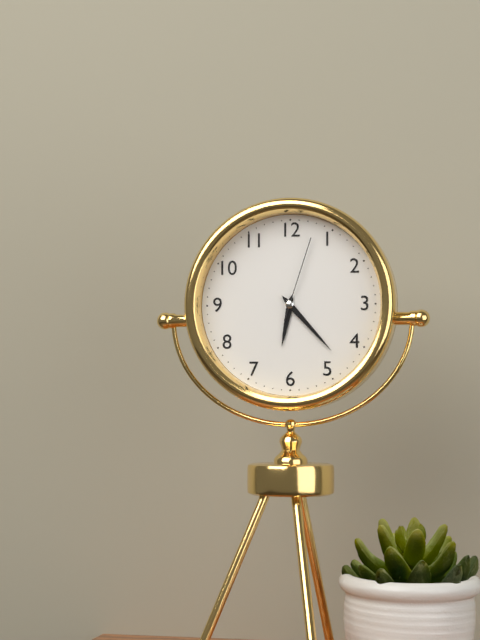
6h23m03s
